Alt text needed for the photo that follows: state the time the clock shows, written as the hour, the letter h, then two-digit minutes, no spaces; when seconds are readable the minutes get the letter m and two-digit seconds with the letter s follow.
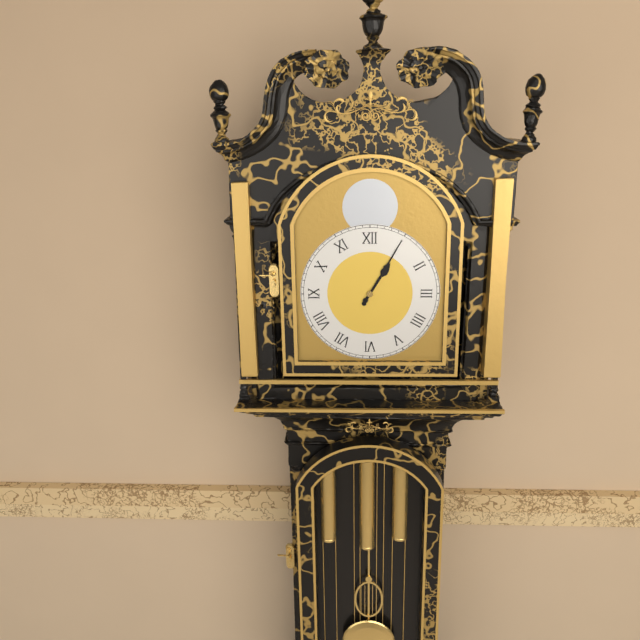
1h05
